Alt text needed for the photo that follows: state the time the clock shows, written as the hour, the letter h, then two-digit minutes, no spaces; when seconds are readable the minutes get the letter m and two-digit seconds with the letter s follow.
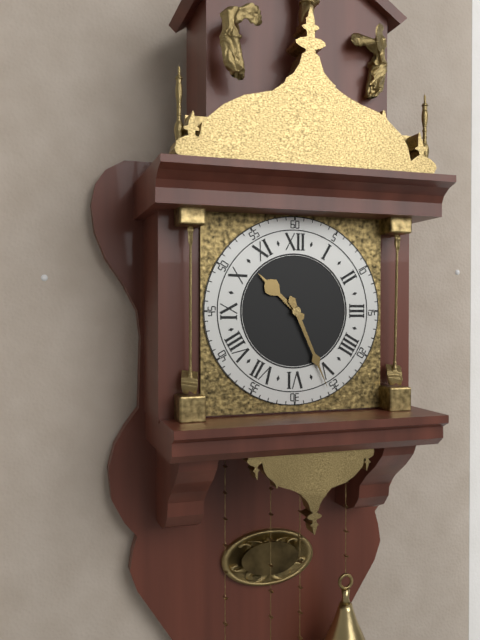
10h26
